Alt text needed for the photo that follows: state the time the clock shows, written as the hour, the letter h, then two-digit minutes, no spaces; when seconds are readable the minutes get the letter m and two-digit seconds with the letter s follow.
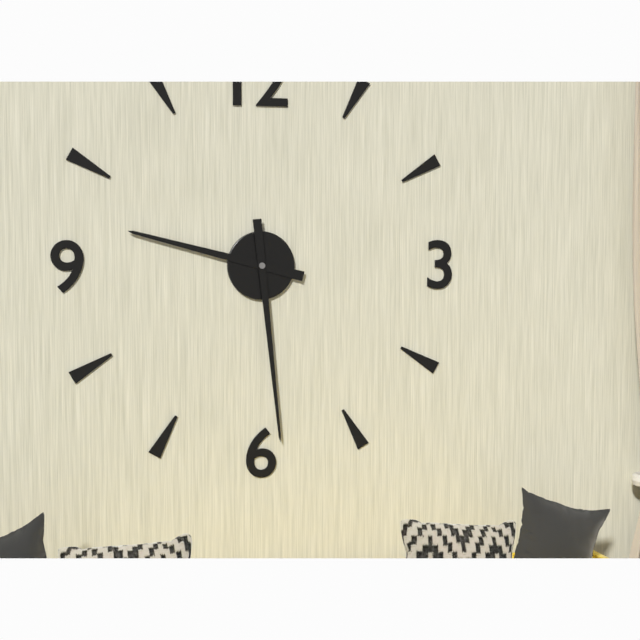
9h29
